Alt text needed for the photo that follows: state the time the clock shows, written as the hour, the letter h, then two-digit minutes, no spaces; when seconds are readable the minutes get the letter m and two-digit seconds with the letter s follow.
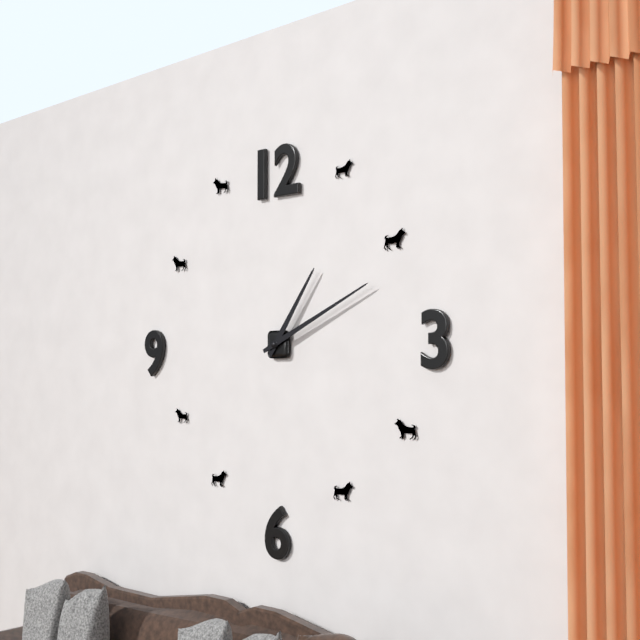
1h11
